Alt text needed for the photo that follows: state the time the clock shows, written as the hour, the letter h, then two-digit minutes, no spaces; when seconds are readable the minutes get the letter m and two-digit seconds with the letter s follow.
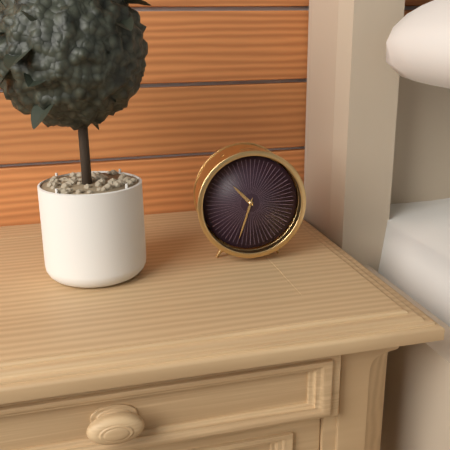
10h33
